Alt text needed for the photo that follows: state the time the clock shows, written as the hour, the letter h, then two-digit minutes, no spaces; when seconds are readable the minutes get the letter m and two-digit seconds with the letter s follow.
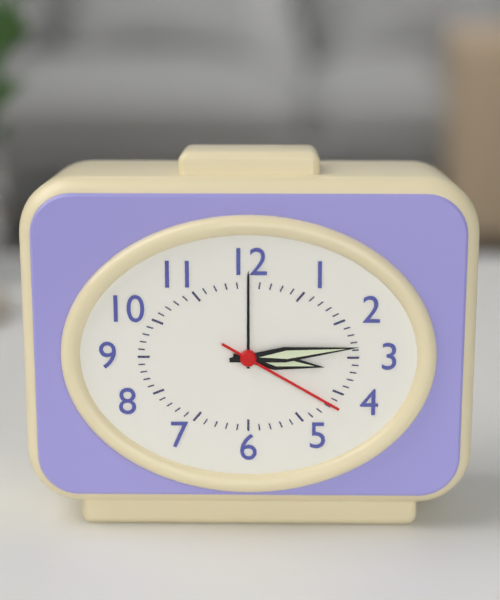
3h14m20s
